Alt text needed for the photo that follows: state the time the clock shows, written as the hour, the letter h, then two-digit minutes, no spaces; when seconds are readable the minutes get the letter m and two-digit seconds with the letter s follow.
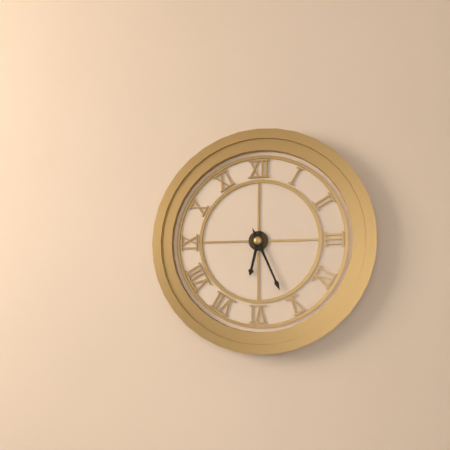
6h26
